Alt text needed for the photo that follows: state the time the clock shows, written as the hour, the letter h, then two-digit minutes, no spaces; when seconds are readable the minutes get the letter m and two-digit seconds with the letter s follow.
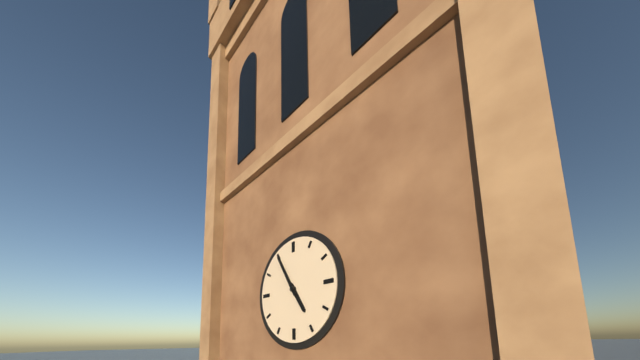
4h55
